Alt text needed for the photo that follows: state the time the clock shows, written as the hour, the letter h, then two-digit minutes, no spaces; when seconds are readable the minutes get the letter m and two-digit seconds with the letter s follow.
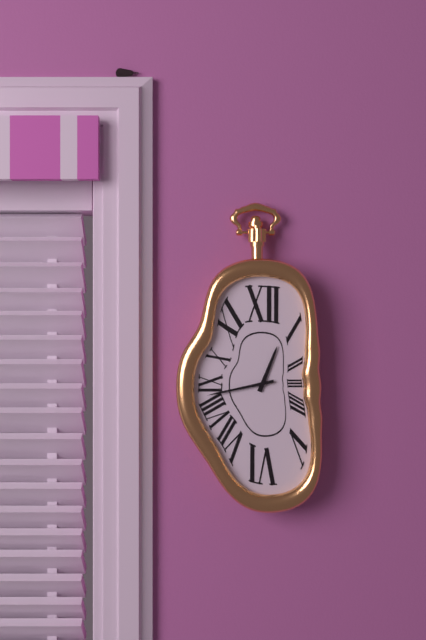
12h43
